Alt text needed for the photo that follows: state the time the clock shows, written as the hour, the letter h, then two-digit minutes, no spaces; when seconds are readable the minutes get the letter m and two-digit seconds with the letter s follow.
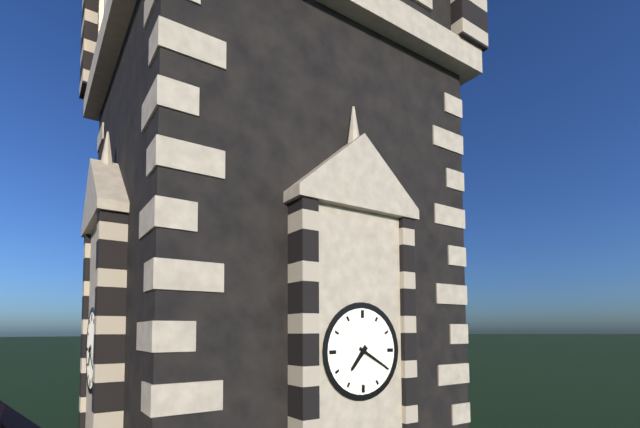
7h20
